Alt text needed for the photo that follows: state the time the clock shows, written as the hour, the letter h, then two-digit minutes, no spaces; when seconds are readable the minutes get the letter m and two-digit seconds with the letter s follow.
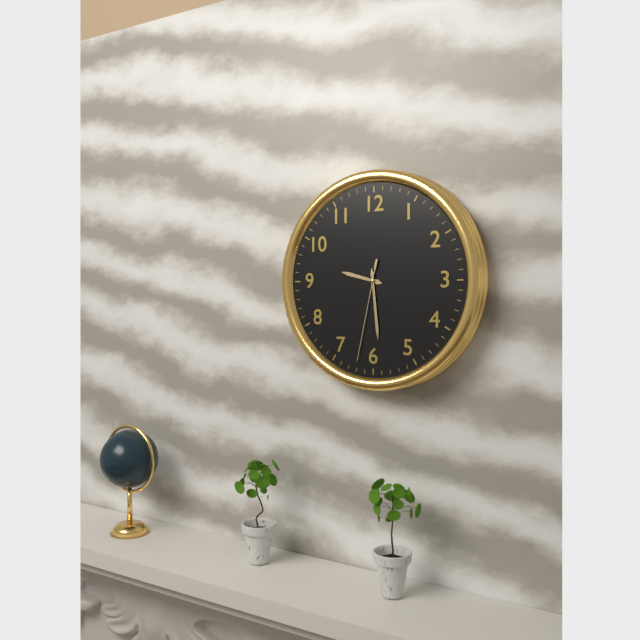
9h29m32s
